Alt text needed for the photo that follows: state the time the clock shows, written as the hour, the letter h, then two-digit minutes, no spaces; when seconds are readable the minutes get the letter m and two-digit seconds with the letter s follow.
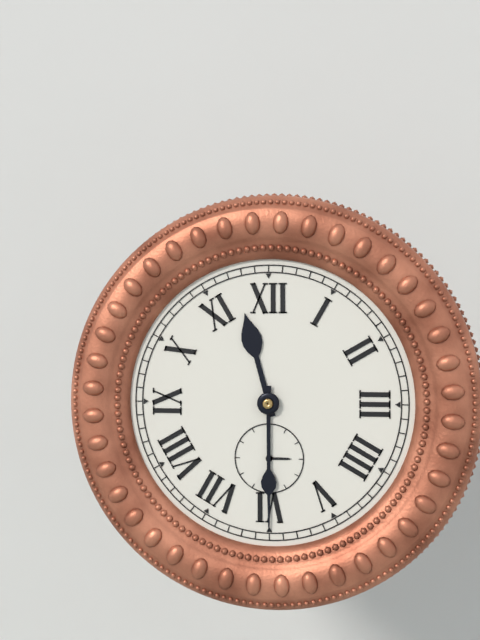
11h30
